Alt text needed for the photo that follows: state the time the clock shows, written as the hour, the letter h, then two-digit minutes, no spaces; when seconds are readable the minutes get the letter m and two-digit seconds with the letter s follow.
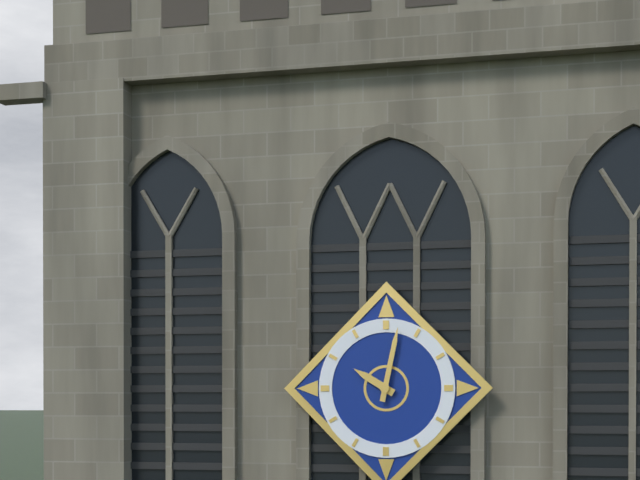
10h02
